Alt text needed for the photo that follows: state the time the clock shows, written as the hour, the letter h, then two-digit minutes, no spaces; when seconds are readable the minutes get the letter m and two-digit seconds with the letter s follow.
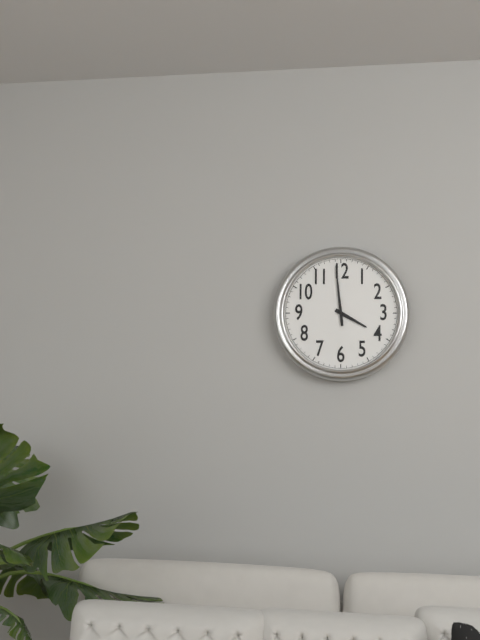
3h59
